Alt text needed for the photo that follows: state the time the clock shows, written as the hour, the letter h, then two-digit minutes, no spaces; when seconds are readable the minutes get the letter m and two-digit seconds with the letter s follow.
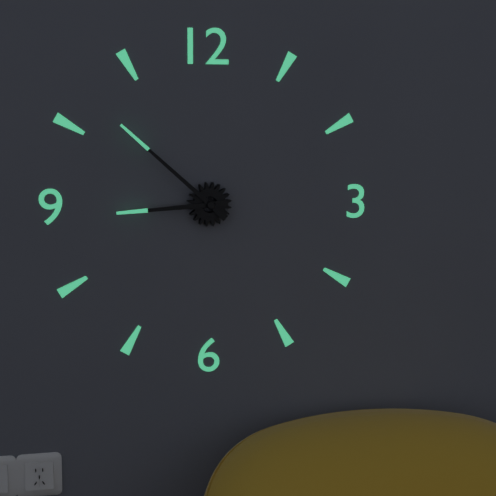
8h52
